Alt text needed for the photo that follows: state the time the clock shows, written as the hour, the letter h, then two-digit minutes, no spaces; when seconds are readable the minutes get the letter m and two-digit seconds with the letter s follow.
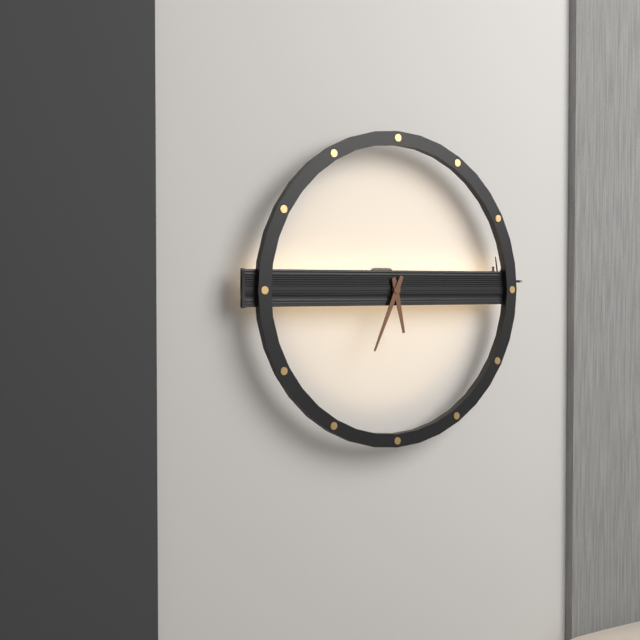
5h34
